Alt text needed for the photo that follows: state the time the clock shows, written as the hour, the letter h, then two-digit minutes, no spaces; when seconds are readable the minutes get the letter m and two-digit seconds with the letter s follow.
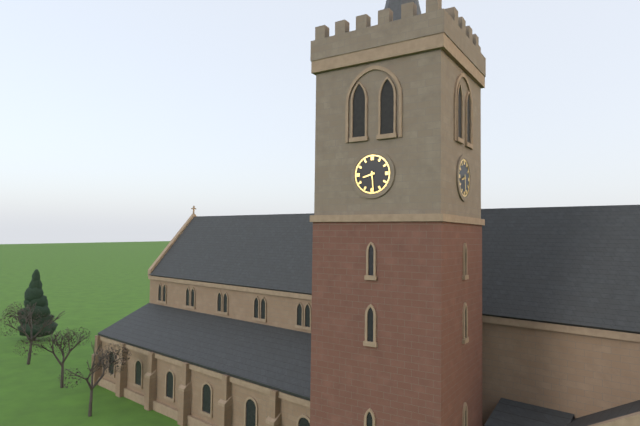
8h29
